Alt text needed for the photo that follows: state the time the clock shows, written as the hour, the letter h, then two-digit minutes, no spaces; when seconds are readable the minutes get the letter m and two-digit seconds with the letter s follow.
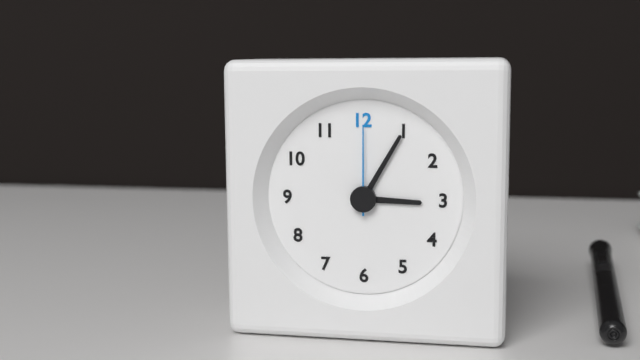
3h05m00s
